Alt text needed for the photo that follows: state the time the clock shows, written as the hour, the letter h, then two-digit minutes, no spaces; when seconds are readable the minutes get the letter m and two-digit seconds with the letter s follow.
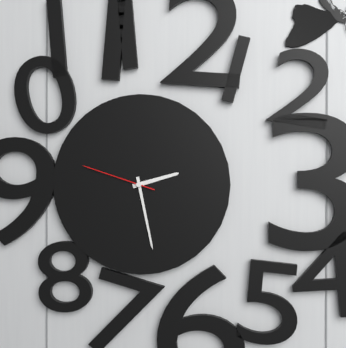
2h28m48s
